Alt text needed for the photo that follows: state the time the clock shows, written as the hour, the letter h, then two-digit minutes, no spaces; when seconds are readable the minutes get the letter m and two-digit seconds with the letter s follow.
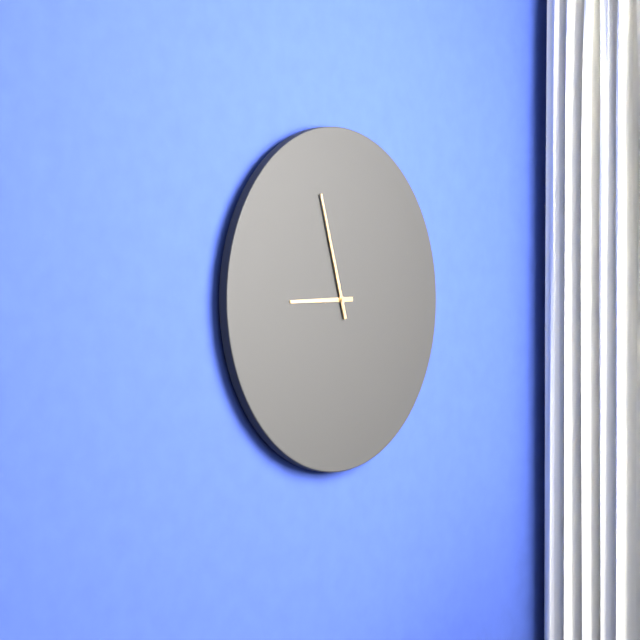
8h57
